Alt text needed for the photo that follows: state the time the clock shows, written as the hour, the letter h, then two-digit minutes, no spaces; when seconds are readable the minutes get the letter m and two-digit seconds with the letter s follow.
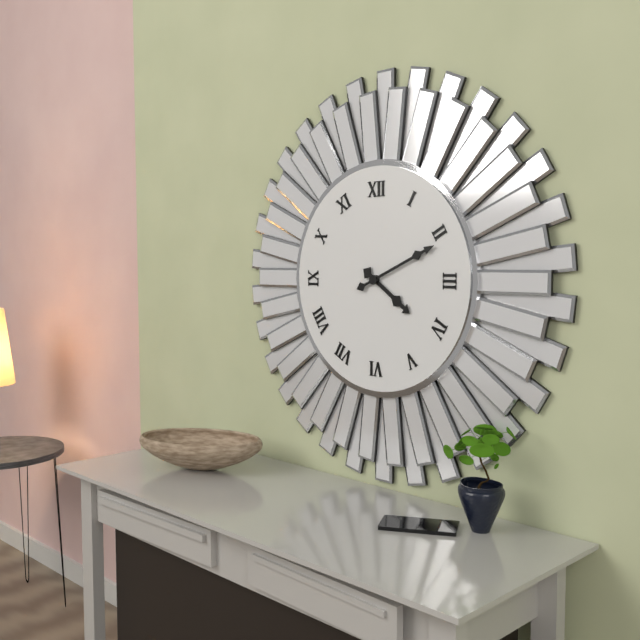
4h11
